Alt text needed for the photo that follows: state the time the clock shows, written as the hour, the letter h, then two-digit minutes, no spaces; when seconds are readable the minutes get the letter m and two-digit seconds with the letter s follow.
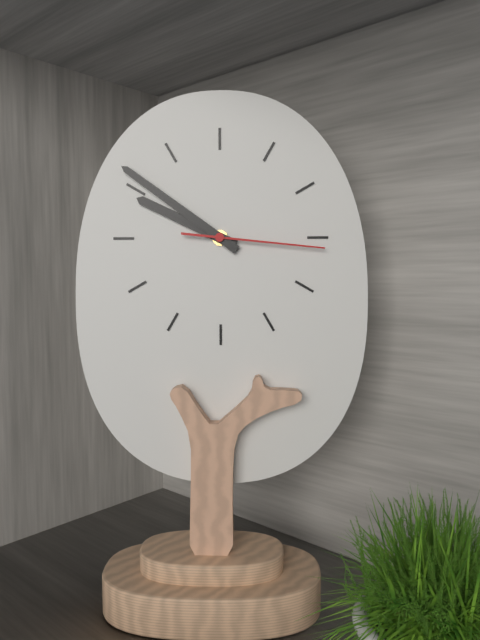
9h51m16s
